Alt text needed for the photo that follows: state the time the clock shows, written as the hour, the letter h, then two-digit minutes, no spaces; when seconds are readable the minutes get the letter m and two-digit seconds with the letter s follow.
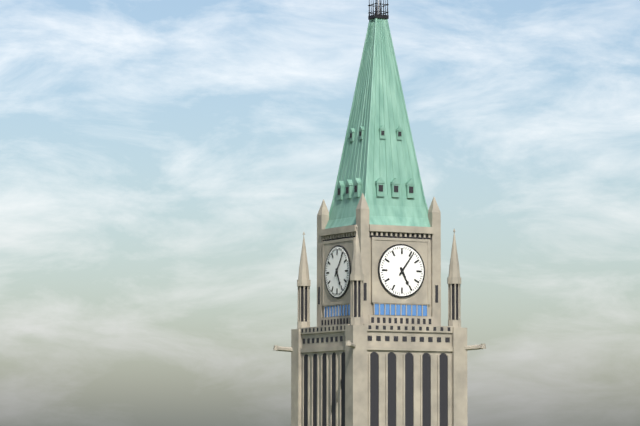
5h06
